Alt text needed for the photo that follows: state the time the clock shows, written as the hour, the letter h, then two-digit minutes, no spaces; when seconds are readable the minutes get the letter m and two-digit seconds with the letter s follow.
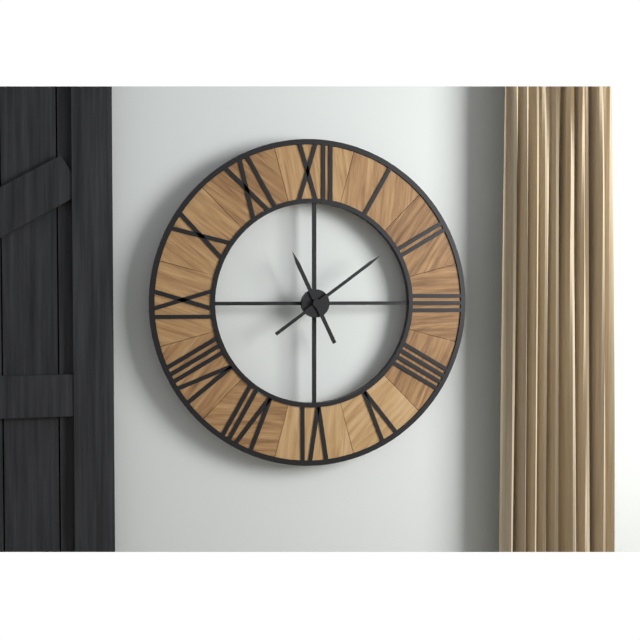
11h09
